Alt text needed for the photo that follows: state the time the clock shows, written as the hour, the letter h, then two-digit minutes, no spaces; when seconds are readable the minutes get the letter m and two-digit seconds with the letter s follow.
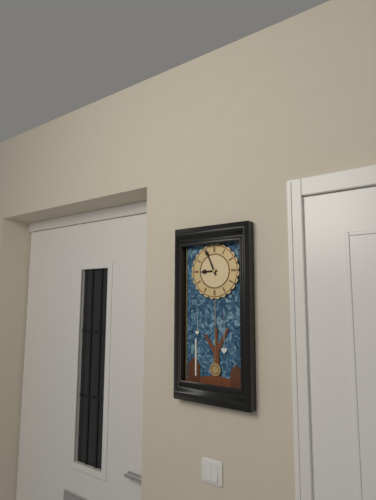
8h56
